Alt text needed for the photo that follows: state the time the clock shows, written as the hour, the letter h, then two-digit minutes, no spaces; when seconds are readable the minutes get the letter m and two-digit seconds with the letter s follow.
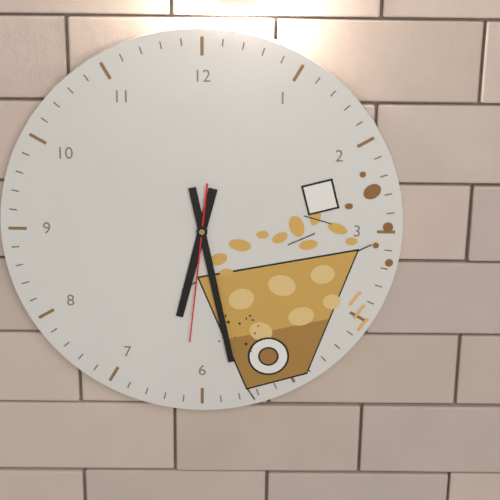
6h28m31s
